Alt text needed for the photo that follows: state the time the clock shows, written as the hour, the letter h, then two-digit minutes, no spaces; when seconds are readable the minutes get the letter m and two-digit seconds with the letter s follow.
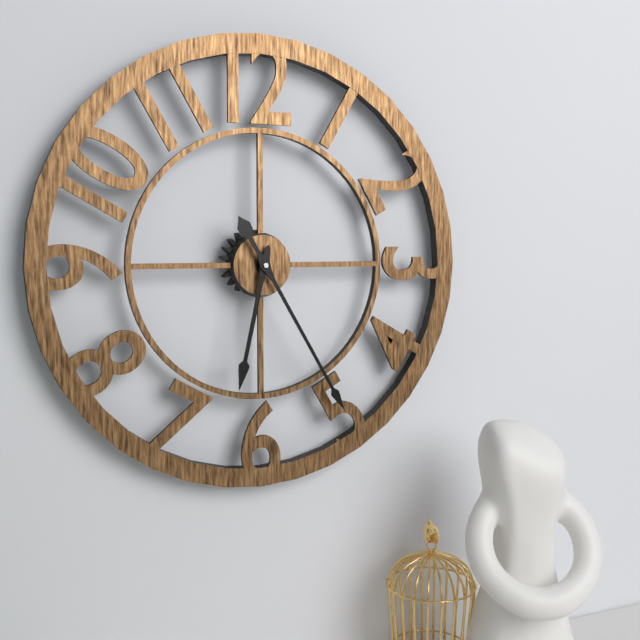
6h25
